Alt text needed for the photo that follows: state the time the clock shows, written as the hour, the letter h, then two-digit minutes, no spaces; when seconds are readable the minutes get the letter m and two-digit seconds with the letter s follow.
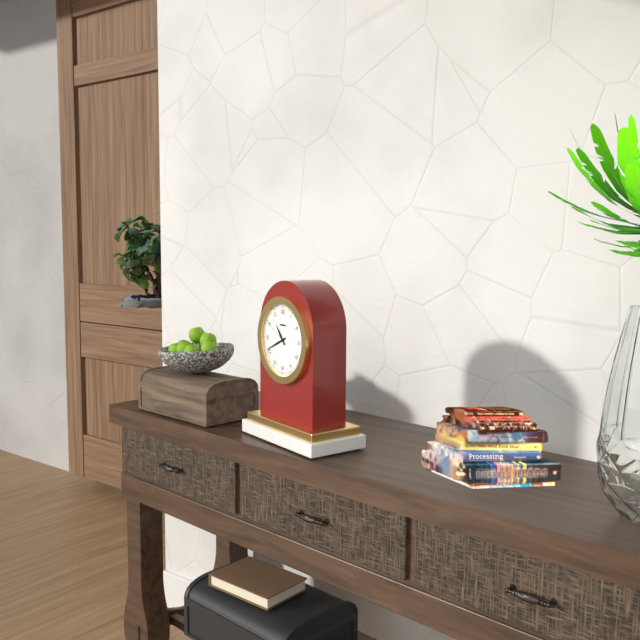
10h41
